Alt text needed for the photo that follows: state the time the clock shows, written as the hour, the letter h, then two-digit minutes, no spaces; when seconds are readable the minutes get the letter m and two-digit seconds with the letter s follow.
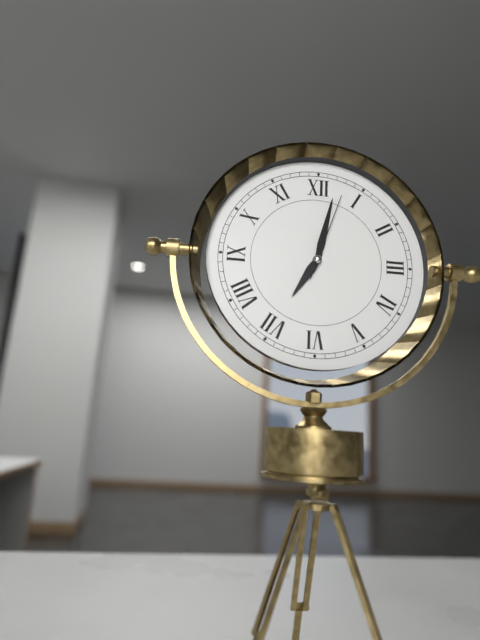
7h02m03s
